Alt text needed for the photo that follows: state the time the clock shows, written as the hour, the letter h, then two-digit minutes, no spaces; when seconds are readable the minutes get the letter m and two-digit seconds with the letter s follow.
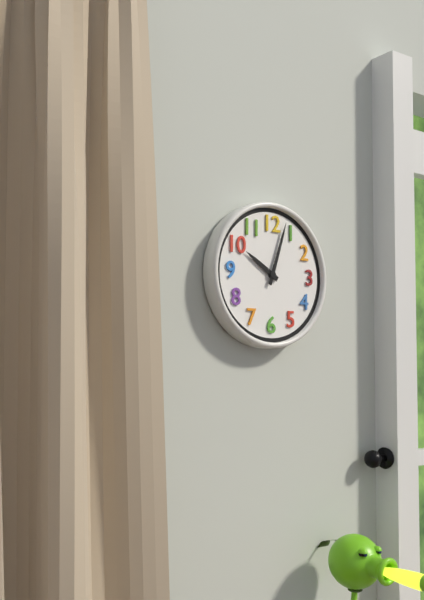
10h03
